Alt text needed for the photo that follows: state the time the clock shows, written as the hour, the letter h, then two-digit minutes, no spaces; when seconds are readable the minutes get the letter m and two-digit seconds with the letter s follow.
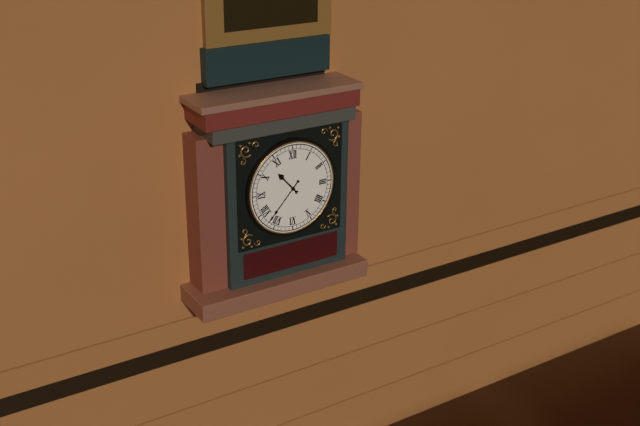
10h37
